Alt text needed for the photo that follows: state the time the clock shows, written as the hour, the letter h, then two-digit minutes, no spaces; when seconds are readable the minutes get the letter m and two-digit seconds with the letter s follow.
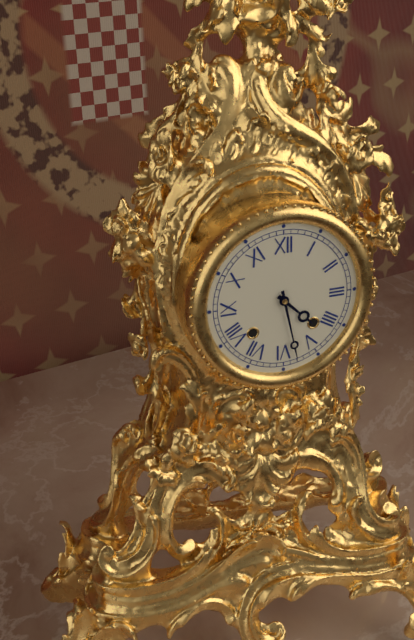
4h28
